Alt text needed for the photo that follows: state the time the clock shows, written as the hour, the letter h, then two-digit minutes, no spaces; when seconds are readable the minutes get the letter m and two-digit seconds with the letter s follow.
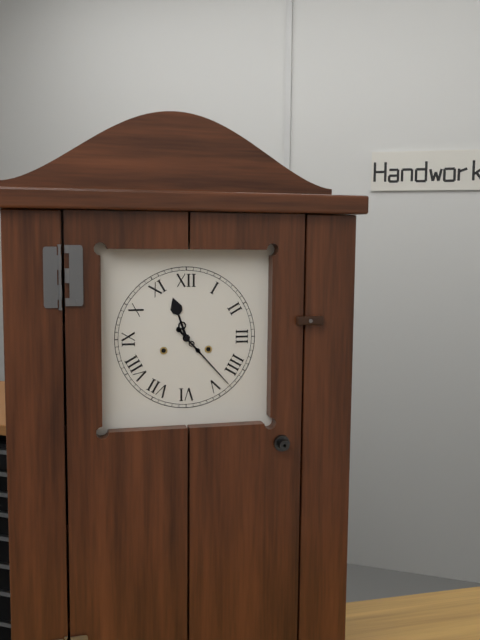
11h23
